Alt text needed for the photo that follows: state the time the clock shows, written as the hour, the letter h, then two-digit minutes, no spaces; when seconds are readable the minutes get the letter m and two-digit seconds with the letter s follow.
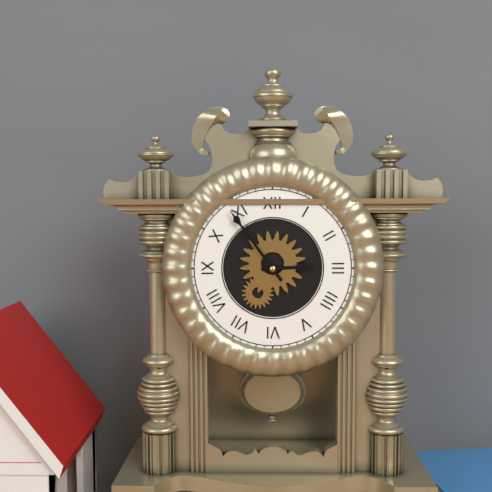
2h54
